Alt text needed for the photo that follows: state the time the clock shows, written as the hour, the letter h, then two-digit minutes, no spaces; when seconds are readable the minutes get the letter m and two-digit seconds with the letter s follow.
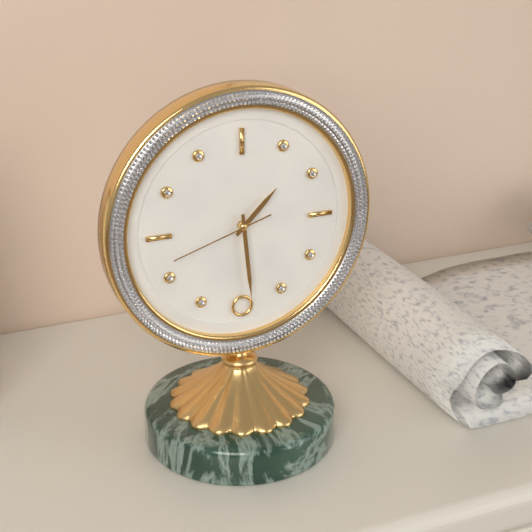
1h29m42s
